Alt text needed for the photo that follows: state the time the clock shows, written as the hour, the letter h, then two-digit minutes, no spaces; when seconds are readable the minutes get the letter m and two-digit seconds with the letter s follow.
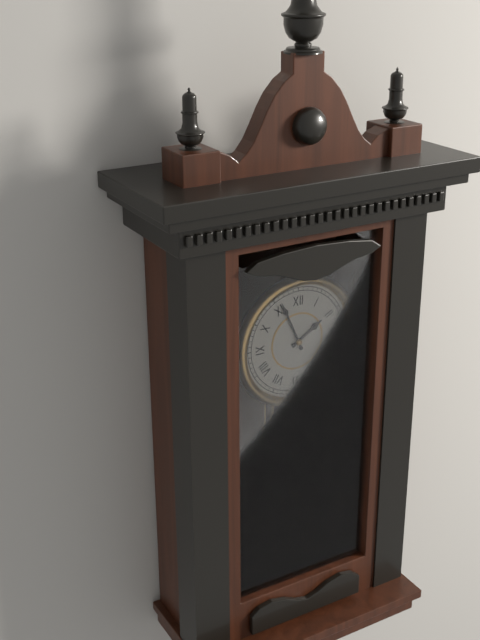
1h56
